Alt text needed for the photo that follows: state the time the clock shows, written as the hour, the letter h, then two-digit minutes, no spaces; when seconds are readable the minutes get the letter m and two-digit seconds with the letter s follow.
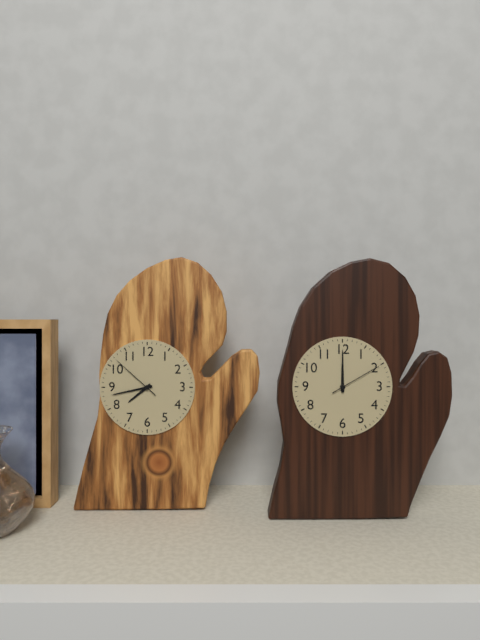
7h43m52s
